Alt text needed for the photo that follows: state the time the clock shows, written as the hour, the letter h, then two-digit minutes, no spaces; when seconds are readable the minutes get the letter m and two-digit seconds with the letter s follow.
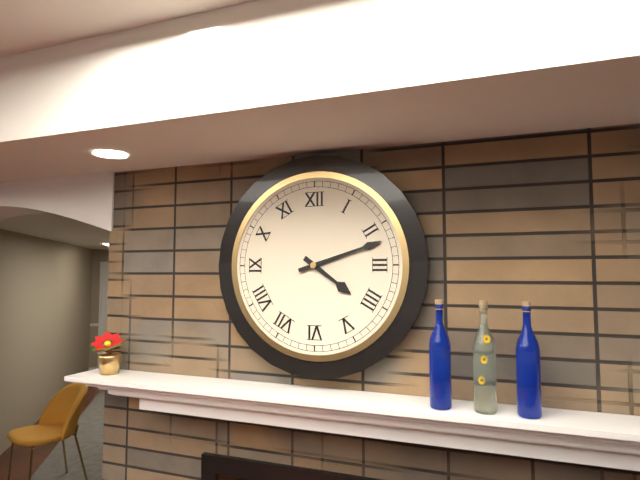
4h12
